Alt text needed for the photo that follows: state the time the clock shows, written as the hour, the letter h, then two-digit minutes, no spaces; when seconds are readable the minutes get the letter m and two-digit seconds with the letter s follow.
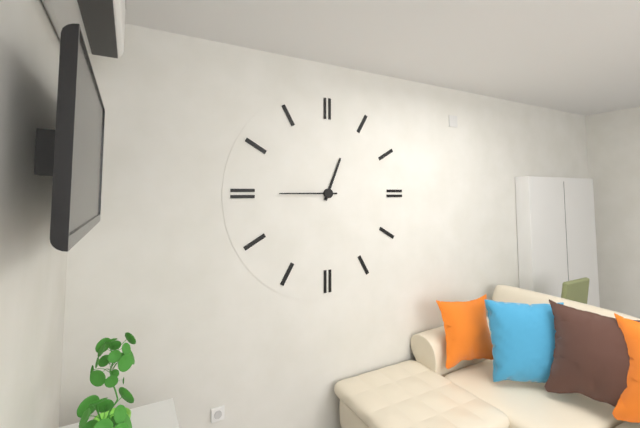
12h45
